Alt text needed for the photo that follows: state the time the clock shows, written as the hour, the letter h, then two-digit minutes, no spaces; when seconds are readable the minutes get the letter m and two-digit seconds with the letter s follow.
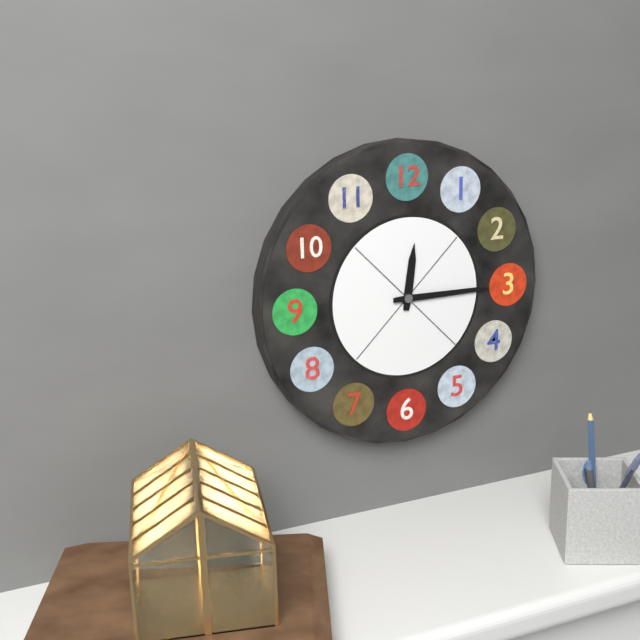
12h15
